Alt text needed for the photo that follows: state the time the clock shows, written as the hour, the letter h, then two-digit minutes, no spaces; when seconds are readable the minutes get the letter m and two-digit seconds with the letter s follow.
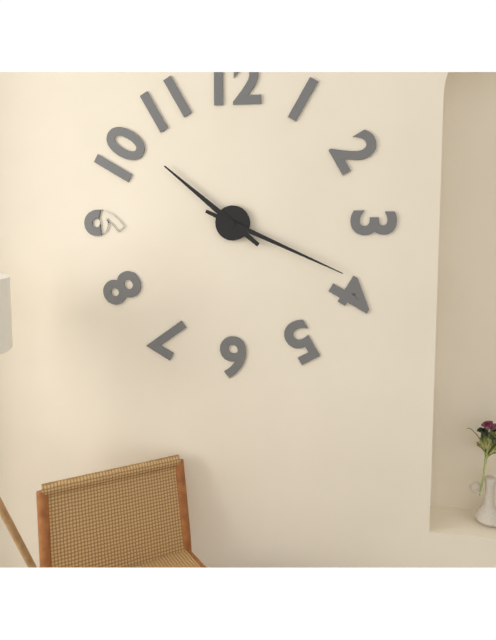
10h19
